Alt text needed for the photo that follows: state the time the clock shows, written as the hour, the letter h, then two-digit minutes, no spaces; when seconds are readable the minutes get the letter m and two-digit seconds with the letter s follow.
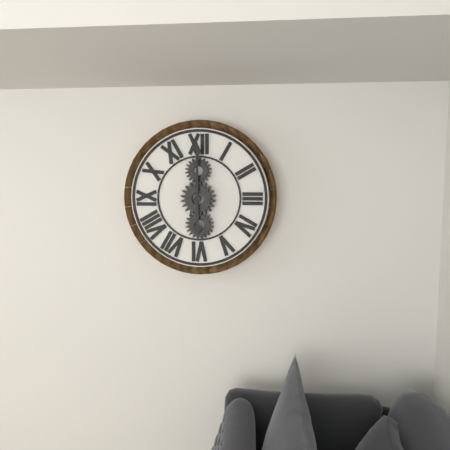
6h00
